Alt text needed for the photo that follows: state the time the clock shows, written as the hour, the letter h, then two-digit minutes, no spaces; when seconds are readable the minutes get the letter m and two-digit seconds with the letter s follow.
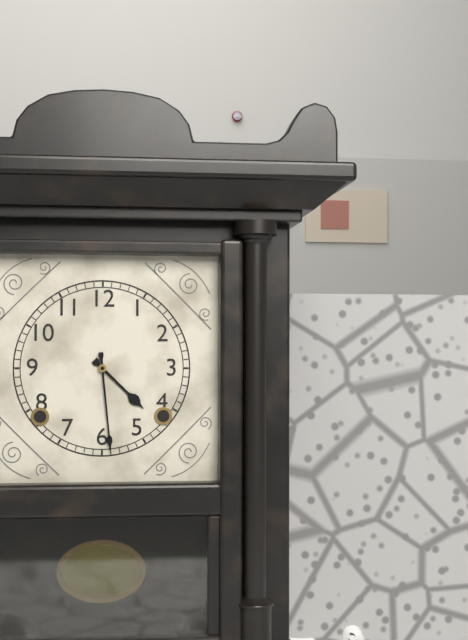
4h29
